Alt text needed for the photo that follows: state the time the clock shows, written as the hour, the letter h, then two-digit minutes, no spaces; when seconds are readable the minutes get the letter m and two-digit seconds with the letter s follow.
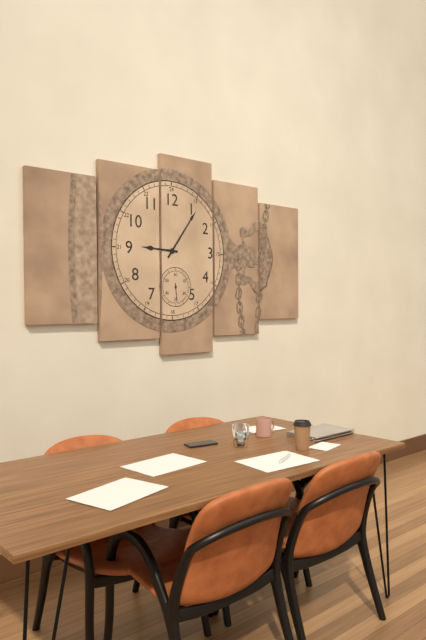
9h06
